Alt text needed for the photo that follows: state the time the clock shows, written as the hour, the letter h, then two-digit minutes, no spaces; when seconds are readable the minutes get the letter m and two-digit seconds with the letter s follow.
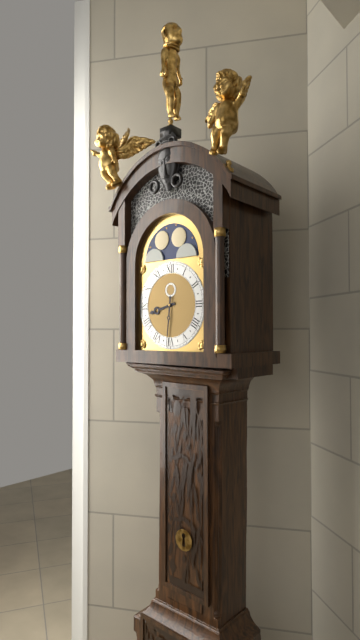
8h31
